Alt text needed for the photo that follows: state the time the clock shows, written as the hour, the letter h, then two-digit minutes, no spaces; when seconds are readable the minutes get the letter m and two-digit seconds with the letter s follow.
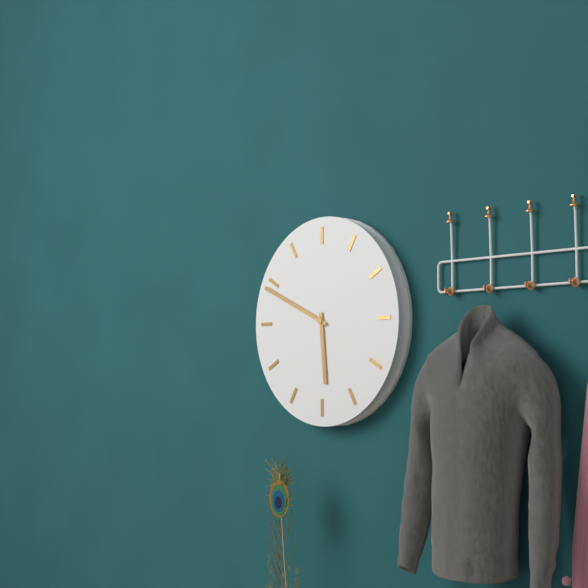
5h49
